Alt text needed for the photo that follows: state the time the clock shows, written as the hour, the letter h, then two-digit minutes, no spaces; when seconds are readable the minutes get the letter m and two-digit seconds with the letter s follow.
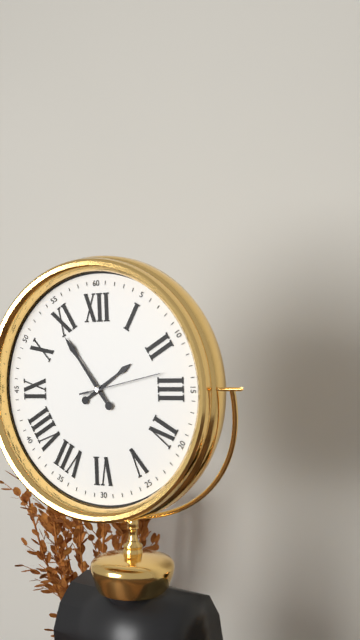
1h54m13s
